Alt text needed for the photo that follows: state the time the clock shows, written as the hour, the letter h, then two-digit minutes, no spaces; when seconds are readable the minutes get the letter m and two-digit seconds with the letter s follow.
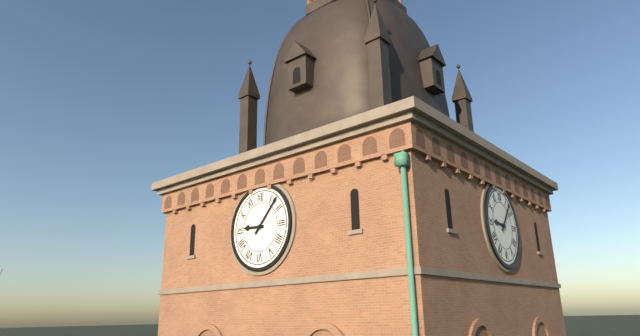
9h07
